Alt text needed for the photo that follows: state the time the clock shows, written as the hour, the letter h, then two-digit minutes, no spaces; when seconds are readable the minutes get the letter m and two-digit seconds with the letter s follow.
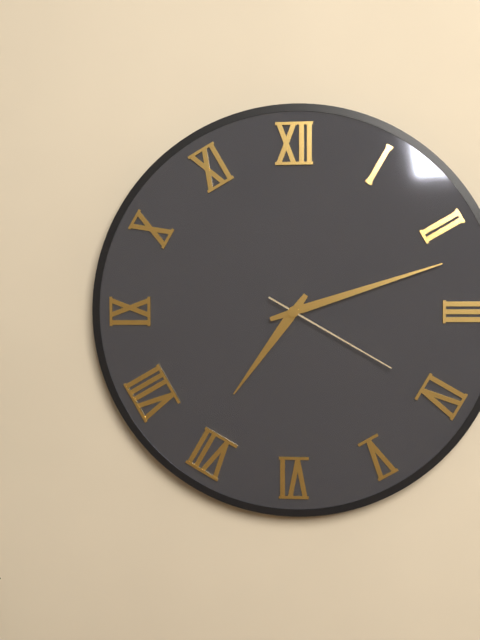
7h12m20s
